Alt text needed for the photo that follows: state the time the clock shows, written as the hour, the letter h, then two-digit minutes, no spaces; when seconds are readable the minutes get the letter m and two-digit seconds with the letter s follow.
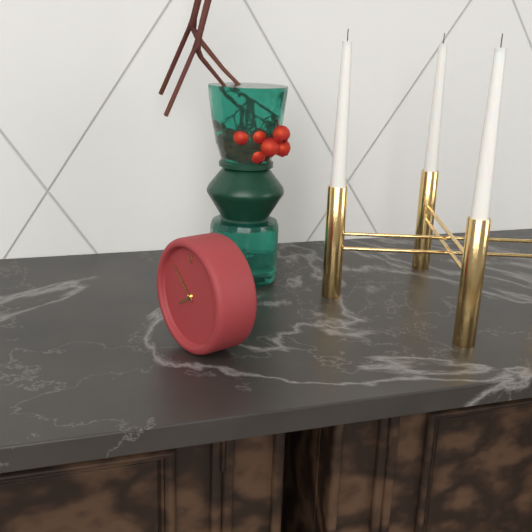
7h52
